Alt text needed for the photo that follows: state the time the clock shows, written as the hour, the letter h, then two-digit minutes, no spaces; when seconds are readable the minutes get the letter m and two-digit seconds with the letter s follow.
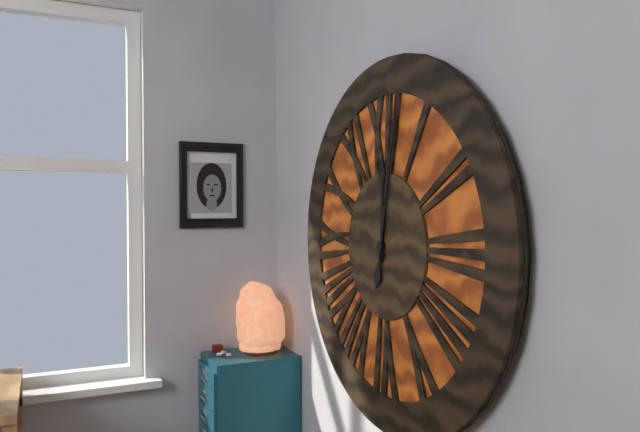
12h02
